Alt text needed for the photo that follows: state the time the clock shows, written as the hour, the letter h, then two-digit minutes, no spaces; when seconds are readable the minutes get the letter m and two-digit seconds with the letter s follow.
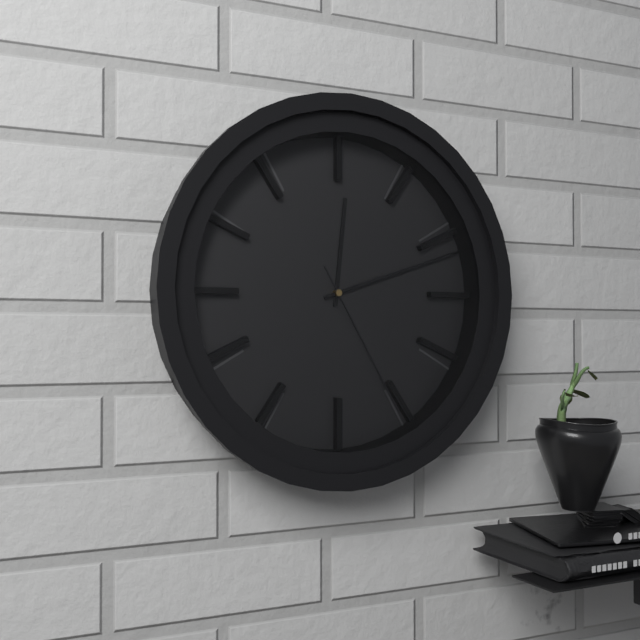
12h12m25s
